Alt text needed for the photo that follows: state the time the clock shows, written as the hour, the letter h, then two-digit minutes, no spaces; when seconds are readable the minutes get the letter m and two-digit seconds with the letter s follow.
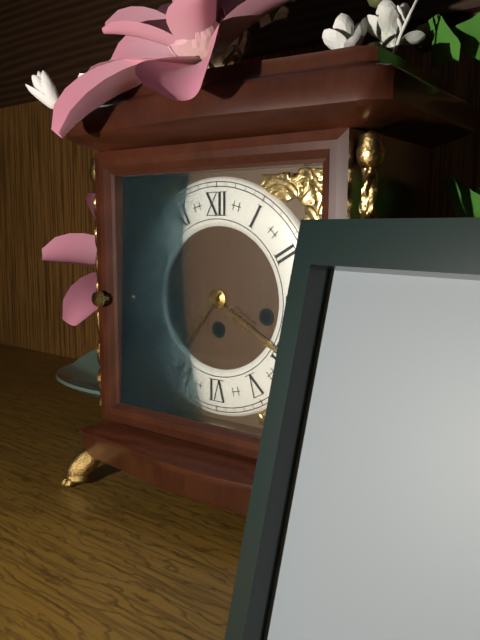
7h20
